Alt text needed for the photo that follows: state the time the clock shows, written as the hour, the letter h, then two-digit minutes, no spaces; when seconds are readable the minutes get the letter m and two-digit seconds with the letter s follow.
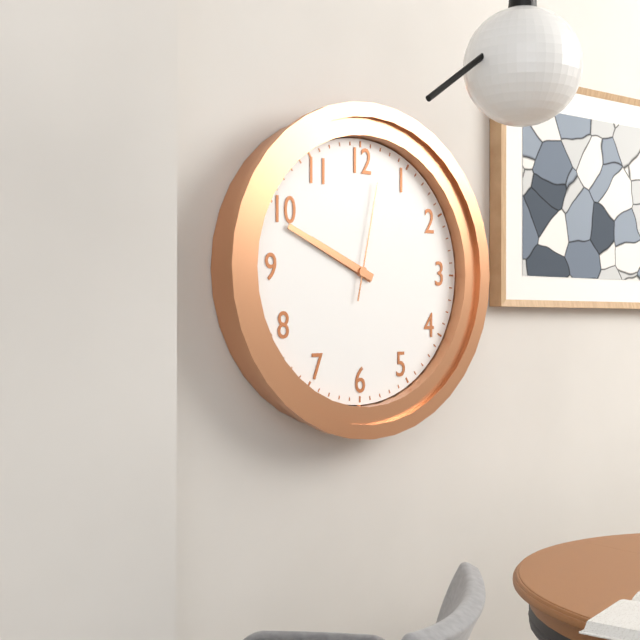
9h49m02s
